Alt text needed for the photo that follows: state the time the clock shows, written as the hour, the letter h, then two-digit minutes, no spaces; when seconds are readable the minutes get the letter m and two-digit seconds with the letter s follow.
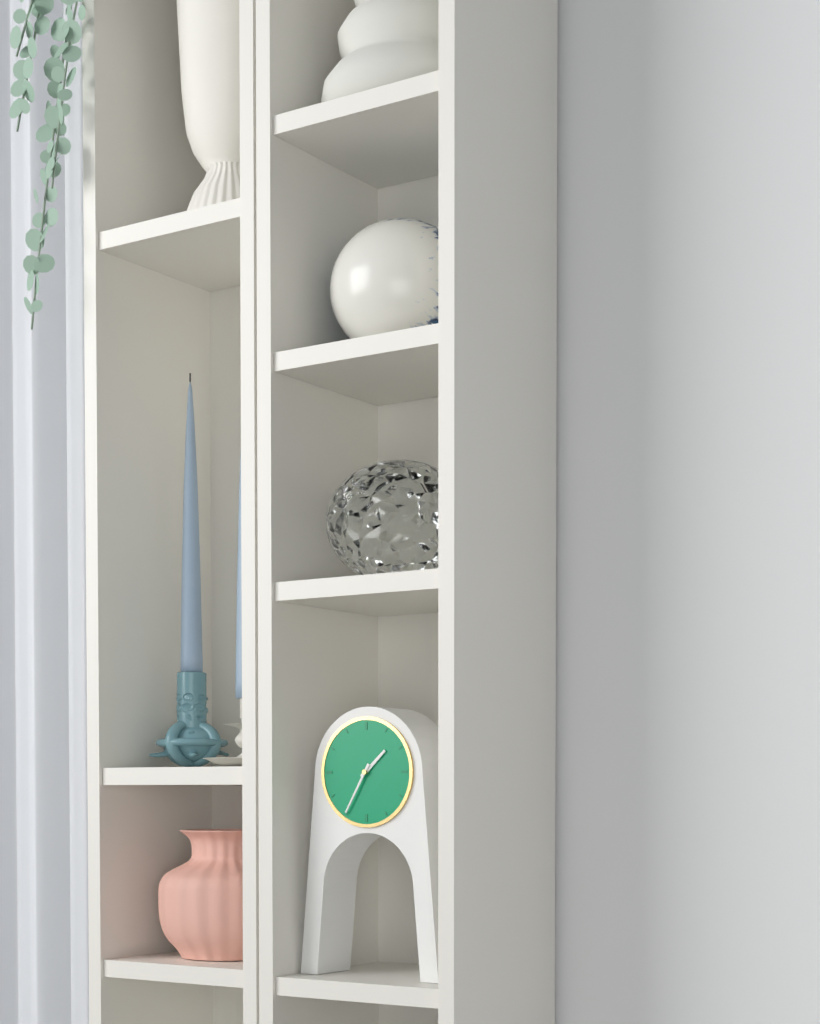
1h35
